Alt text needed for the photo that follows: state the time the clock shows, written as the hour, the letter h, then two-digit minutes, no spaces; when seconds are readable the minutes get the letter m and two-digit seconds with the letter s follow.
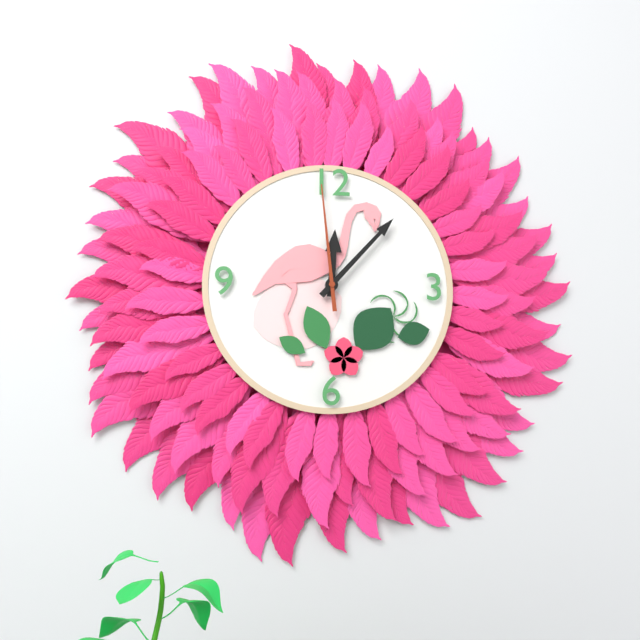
12h07m59s
